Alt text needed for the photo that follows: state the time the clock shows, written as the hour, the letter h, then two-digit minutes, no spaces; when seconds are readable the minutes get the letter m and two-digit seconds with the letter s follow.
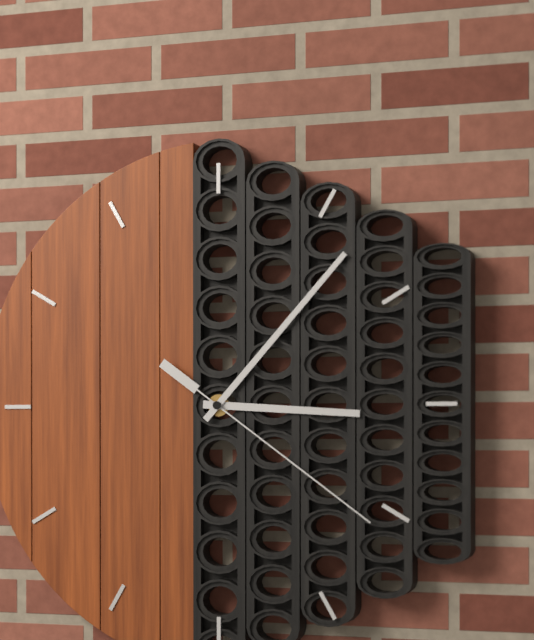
3h07m21s
